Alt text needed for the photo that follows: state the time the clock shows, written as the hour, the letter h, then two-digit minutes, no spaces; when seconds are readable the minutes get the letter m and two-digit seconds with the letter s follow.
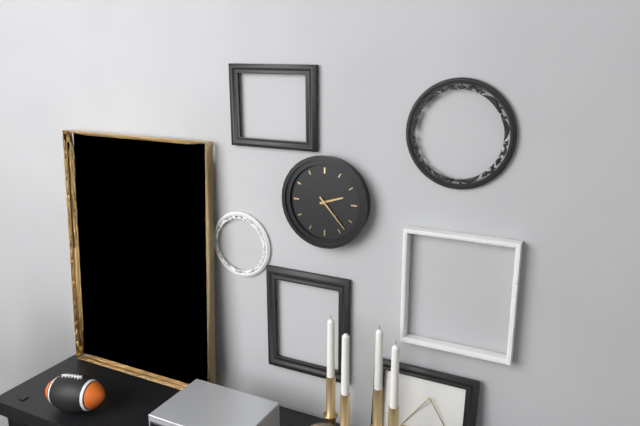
2h23
